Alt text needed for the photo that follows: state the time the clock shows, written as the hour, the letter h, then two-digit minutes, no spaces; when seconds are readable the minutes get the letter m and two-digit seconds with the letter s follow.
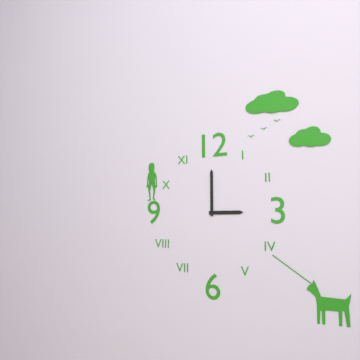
3h00
